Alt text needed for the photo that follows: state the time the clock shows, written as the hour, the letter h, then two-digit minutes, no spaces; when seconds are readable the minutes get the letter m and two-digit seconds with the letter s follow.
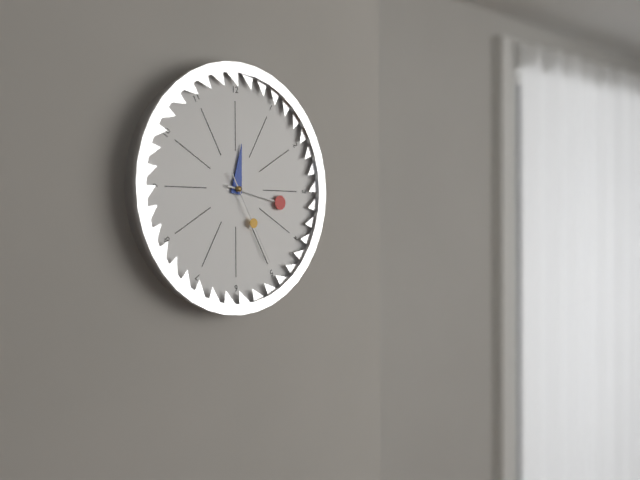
12h17m25s
